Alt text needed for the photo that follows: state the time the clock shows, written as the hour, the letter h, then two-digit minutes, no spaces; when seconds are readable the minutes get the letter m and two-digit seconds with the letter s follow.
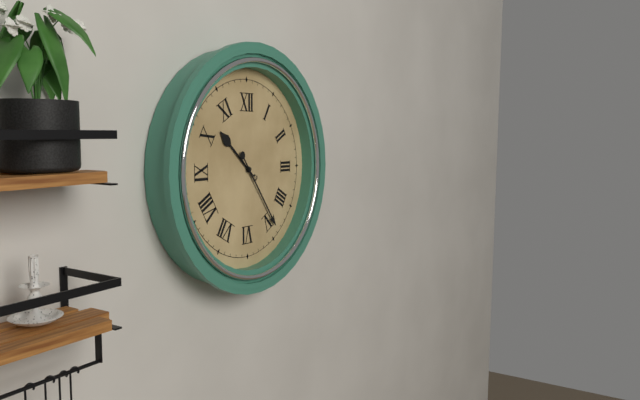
10h24
